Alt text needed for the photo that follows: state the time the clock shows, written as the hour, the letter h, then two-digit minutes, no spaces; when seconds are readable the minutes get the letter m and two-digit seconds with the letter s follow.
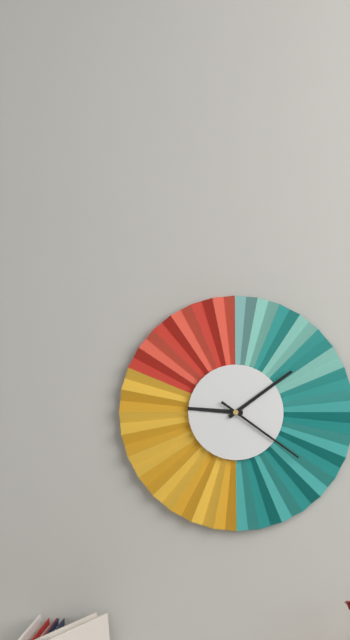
9h09m21s
